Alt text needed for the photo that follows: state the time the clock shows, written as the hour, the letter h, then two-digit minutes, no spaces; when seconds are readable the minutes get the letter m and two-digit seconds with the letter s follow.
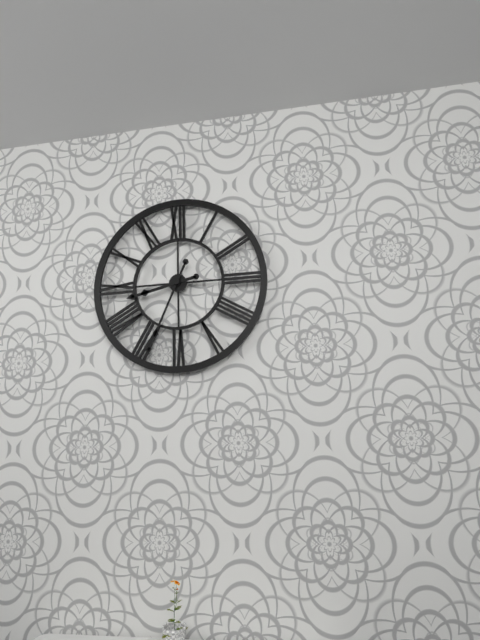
8h34
